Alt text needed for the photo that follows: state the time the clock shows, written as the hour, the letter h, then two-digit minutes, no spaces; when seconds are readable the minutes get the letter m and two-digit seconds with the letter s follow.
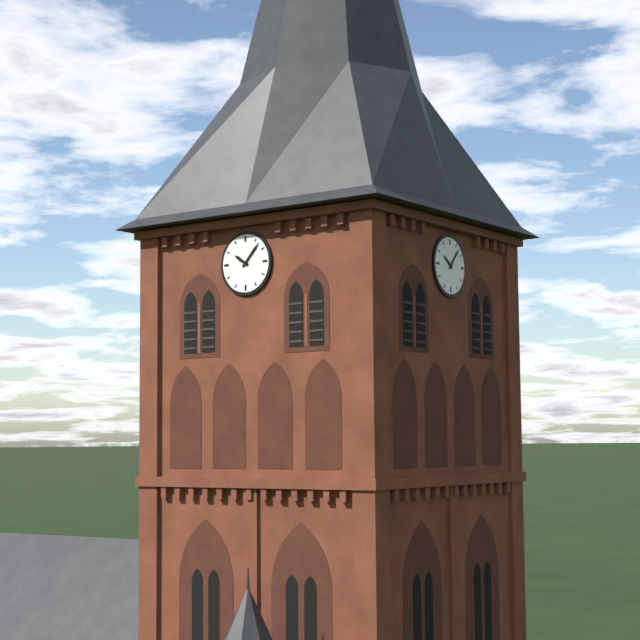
10h07
